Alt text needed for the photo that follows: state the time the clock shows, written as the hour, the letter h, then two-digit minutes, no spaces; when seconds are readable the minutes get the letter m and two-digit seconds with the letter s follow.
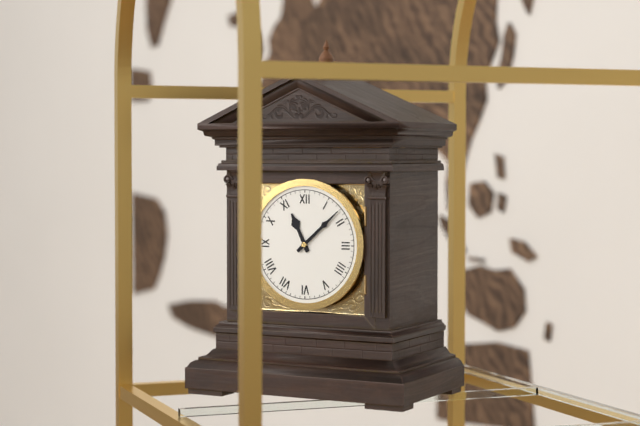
11h08
